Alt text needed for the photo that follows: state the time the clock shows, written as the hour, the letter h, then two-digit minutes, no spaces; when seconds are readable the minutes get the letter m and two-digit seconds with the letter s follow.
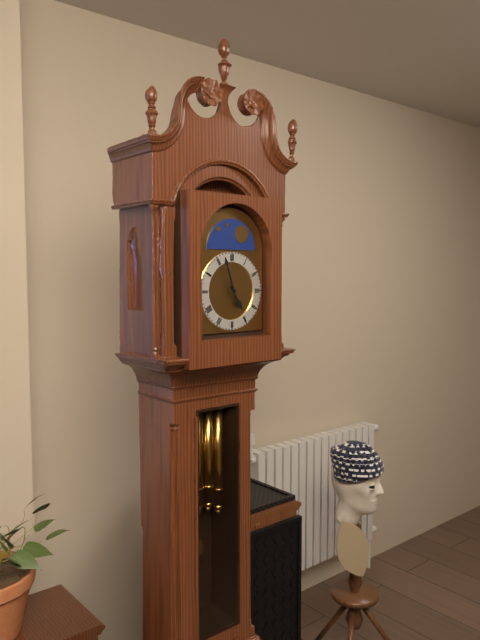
4h57
